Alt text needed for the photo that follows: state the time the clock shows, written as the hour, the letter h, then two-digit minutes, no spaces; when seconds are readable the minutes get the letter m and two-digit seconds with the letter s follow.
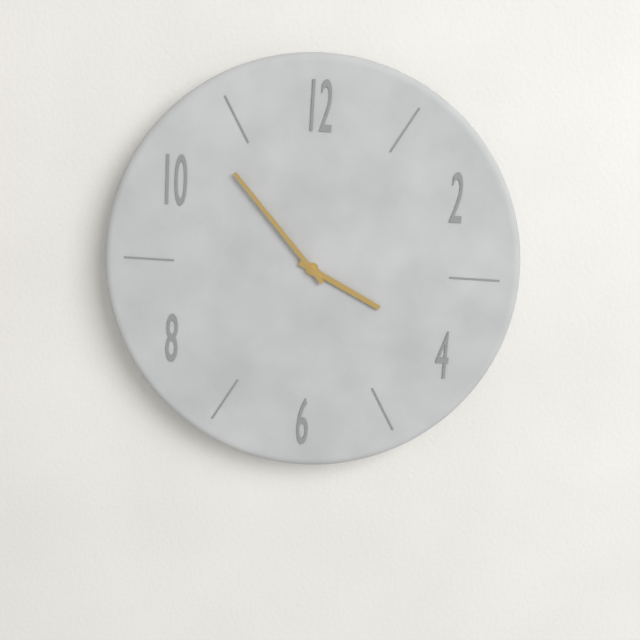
3h53
